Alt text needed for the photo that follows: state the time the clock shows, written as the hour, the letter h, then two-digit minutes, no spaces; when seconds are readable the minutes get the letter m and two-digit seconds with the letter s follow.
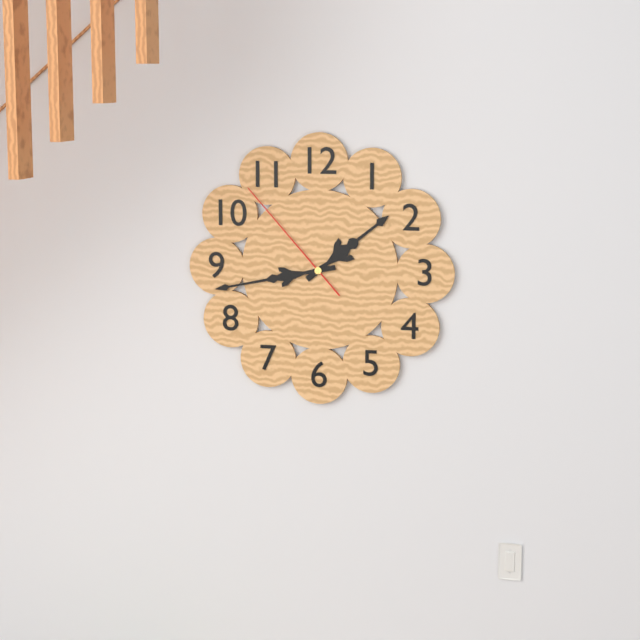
1h43m53s
